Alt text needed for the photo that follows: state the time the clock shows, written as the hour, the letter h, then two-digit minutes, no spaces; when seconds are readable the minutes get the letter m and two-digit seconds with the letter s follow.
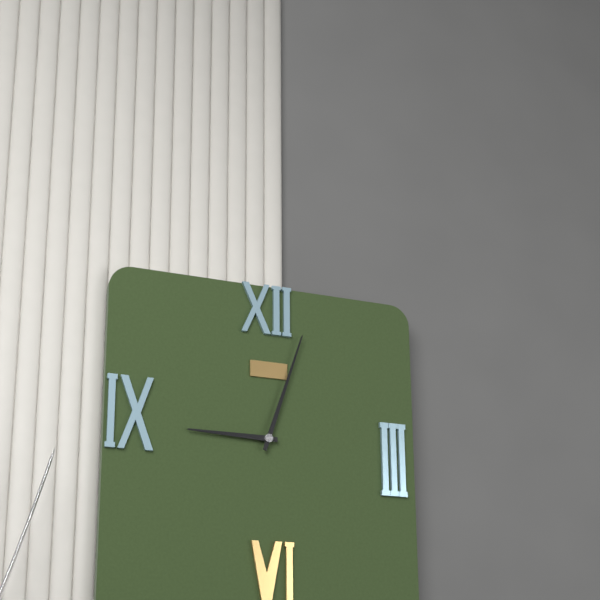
9h03
